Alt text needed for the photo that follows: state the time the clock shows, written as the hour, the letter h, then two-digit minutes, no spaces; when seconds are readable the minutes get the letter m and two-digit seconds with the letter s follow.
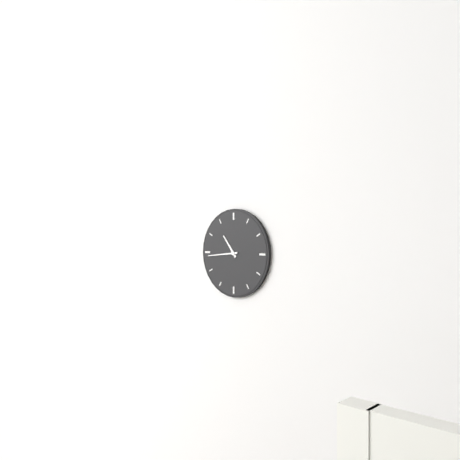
10h44
